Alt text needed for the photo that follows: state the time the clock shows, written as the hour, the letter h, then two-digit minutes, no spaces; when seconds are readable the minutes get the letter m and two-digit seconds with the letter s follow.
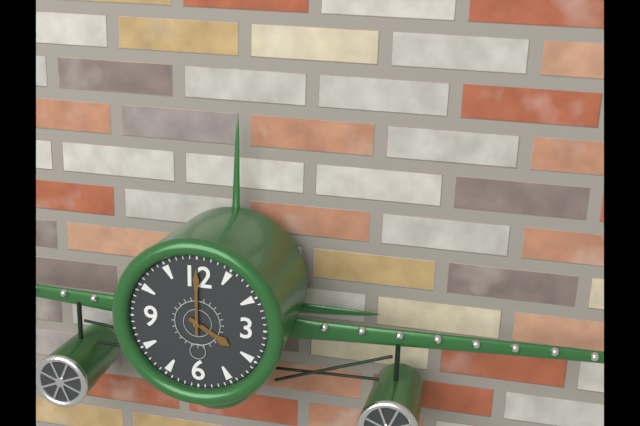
4h00
